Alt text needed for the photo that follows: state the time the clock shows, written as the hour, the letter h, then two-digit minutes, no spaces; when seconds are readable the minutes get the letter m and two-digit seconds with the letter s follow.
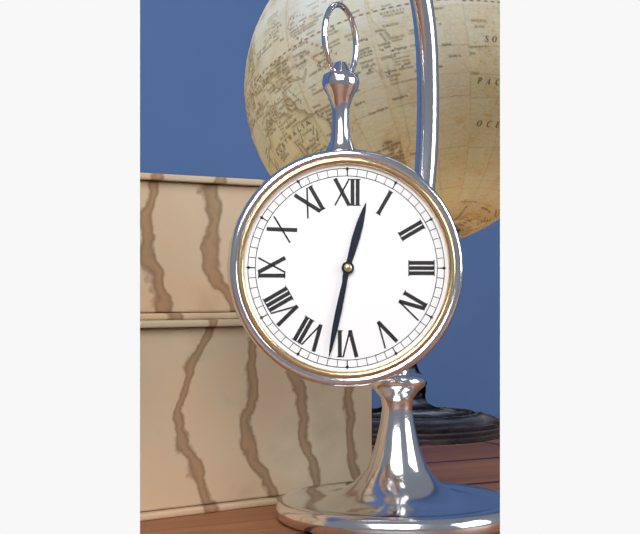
12h32
